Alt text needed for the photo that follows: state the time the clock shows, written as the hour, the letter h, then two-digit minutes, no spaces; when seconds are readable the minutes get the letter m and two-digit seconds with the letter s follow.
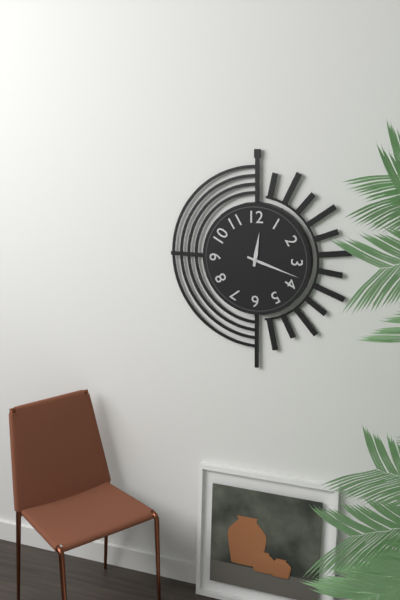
12h18
